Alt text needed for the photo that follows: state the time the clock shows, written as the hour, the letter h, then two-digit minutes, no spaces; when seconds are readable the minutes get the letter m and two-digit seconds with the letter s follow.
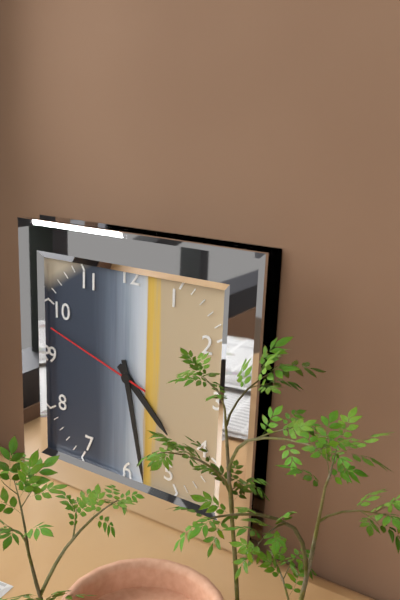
4h28m48s
